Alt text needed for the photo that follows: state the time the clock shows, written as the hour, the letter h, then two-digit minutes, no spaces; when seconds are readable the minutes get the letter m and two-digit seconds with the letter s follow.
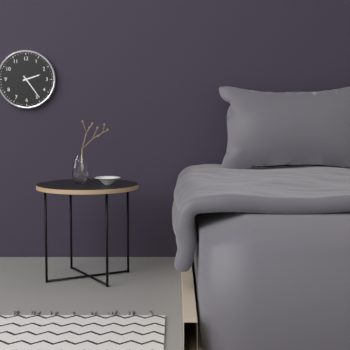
2h24
